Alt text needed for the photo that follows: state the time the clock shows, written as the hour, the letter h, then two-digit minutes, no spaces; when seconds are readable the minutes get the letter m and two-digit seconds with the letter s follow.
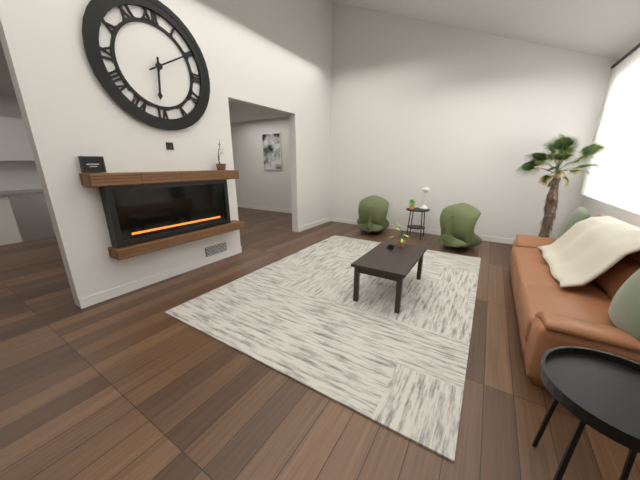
6h10
